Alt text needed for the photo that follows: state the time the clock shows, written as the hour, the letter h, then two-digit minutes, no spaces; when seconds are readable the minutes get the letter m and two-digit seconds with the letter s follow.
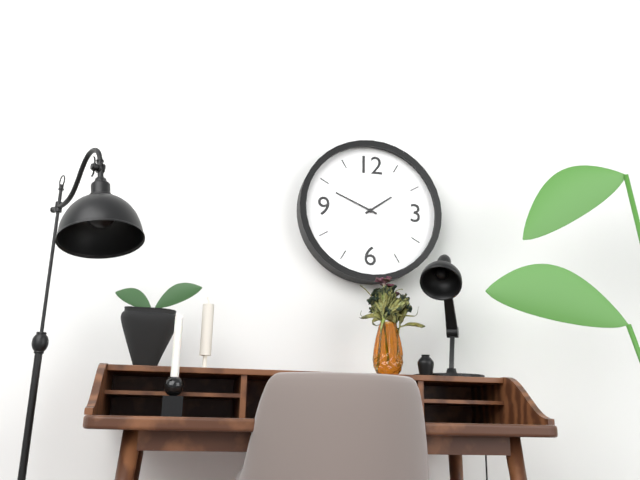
1h49
